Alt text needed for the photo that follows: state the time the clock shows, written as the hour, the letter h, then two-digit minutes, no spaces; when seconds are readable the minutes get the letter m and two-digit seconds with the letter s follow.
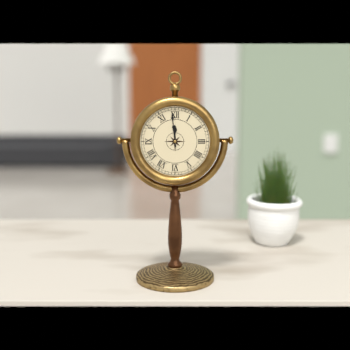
11h59
